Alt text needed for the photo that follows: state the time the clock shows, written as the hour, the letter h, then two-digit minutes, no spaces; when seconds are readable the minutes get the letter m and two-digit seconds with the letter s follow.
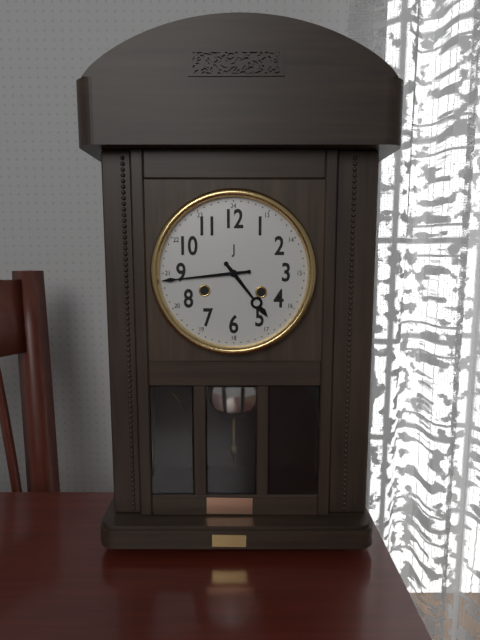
4h44
